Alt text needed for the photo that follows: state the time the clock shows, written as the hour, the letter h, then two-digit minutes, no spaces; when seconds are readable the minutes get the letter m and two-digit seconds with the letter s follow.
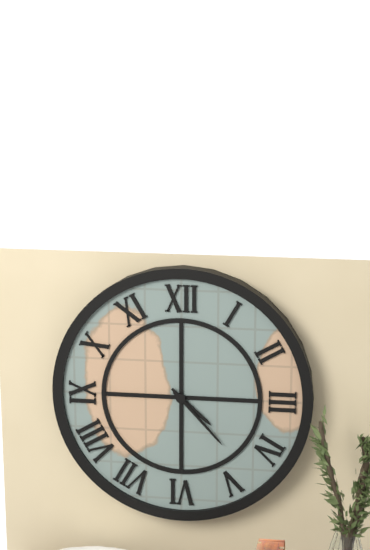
4h23
